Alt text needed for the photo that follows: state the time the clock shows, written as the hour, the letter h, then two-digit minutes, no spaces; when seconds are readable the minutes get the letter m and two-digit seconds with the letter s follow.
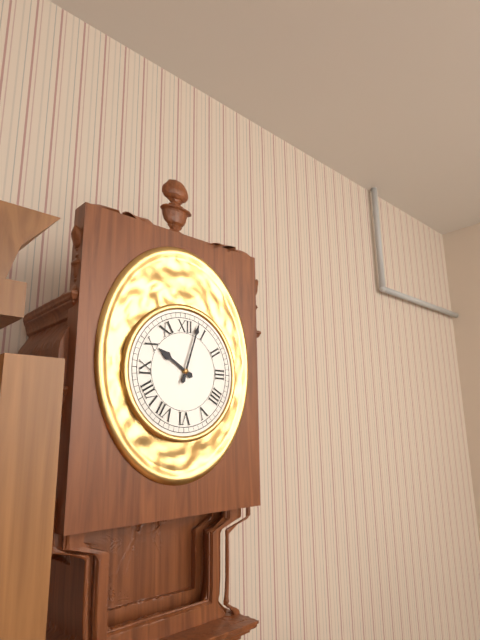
10h03
